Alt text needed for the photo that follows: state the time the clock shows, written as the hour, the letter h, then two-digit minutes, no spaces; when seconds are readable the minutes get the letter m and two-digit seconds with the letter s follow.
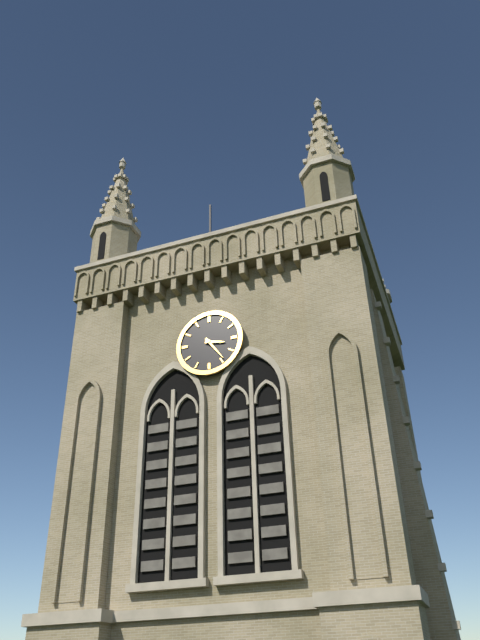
3h24
